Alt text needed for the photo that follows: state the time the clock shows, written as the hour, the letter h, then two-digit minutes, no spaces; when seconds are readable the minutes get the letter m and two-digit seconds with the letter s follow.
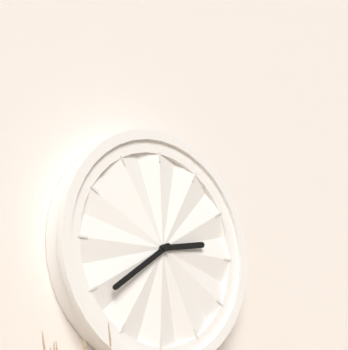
2h39
